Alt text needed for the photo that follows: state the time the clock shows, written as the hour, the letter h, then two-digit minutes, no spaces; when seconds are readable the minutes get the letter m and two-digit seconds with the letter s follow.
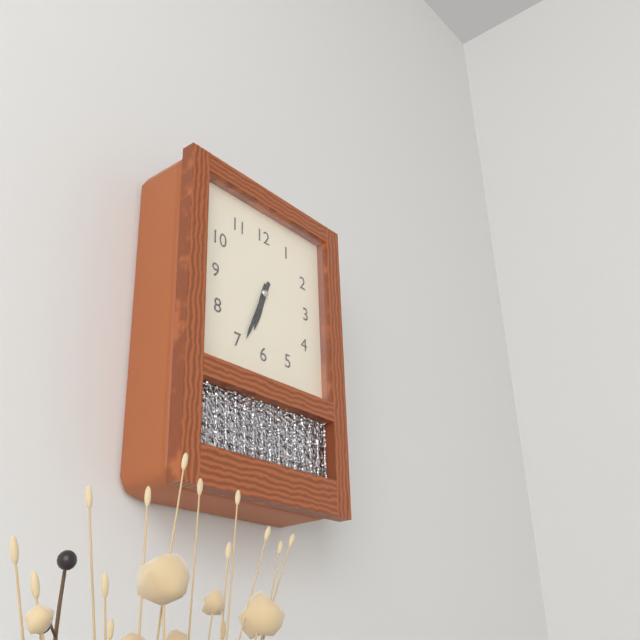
6h34
